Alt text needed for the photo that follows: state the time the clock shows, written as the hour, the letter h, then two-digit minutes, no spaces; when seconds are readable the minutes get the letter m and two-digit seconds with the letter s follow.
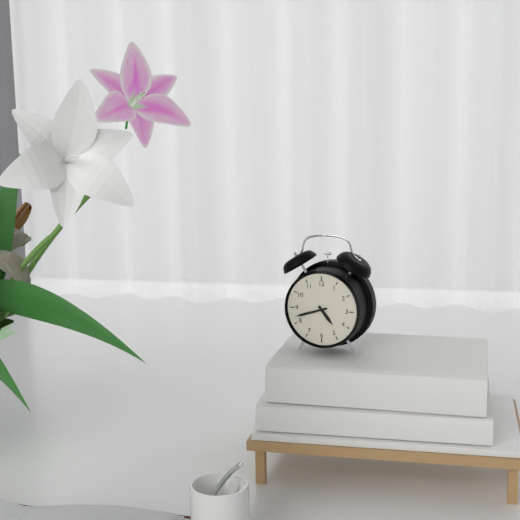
4h42
